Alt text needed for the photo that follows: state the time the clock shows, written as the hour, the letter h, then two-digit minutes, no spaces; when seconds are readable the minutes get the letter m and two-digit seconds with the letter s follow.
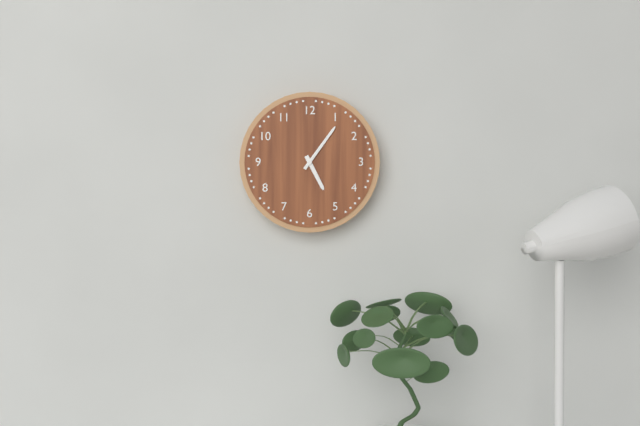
5h06
